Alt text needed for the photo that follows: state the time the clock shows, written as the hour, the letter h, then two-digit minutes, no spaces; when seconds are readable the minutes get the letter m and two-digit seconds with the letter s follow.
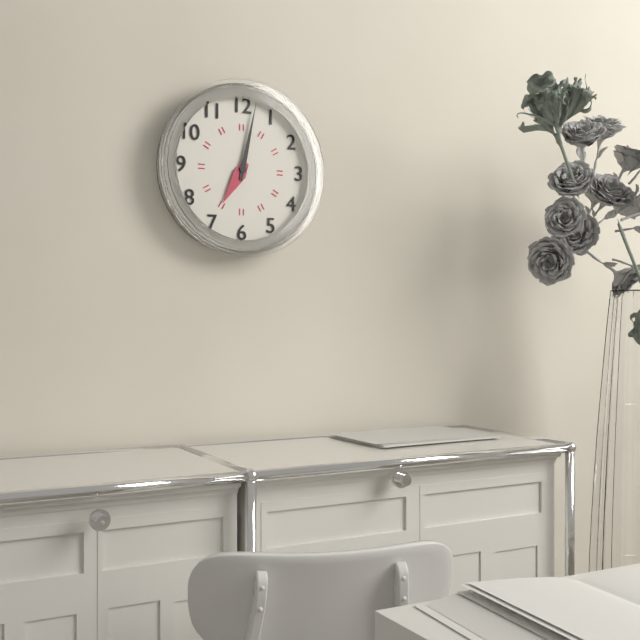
7h02
